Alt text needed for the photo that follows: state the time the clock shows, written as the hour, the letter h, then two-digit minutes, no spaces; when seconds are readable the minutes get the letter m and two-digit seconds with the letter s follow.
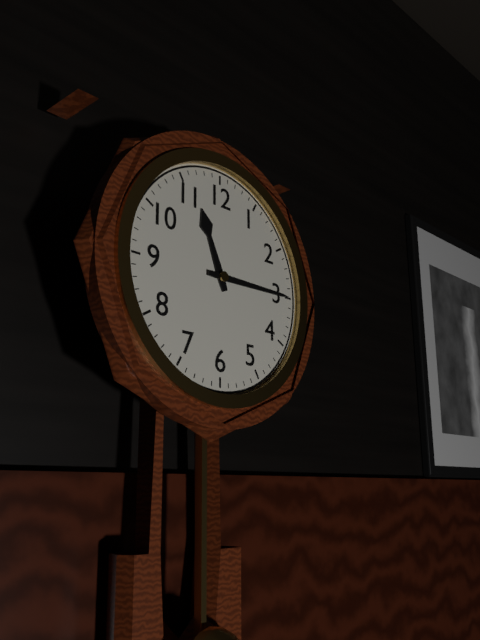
11h15
